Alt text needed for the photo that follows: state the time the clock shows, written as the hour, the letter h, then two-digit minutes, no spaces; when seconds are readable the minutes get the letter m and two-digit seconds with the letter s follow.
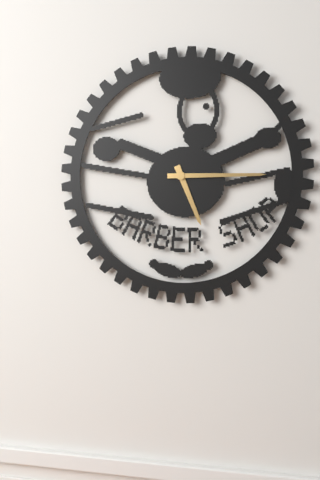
5h15
